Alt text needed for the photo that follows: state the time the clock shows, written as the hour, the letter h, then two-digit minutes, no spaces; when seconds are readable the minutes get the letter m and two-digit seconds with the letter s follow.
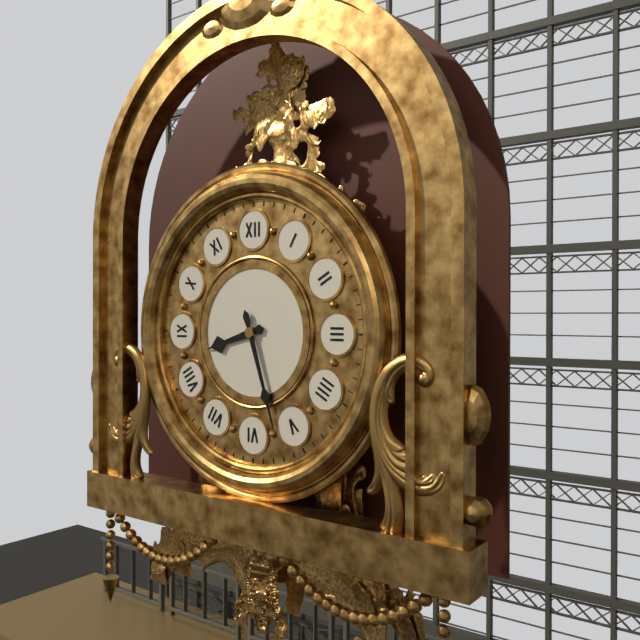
8h27
